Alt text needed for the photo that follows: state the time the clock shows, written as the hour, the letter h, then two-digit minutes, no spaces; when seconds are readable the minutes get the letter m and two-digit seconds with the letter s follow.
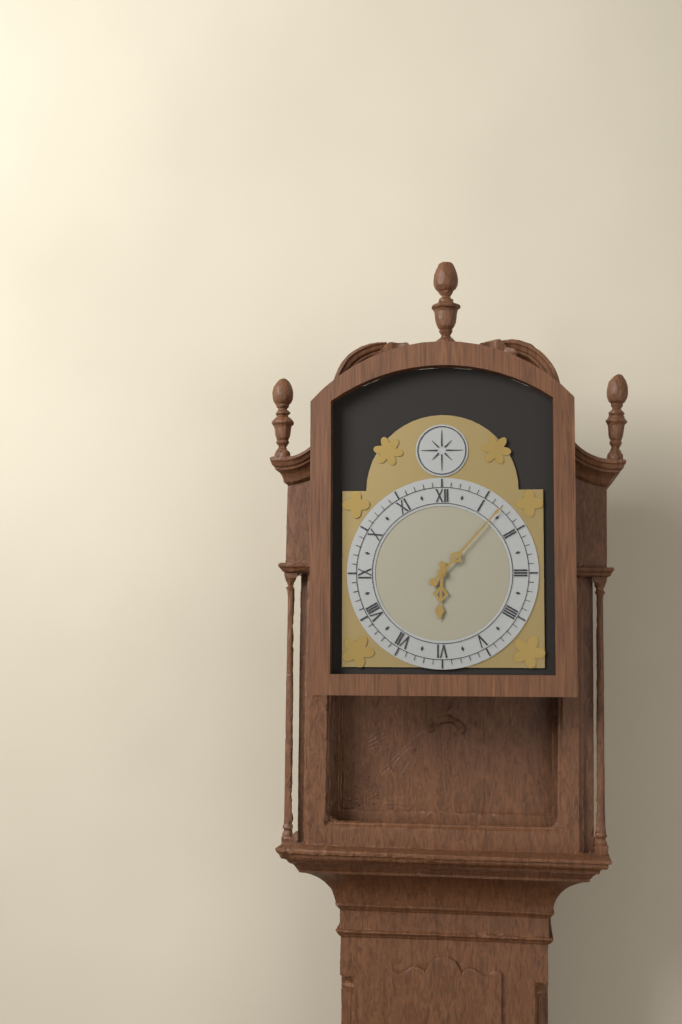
6h07
